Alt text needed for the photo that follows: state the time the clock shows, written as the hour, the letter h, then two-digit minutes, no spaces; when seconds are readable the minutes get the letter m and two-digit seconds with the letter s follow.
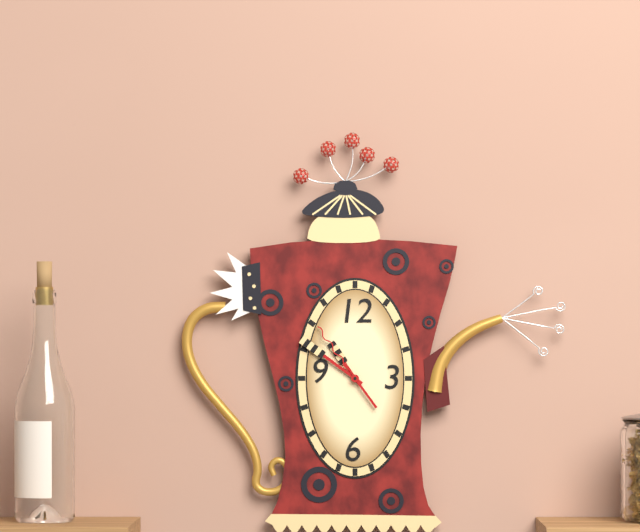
10h51m54s
